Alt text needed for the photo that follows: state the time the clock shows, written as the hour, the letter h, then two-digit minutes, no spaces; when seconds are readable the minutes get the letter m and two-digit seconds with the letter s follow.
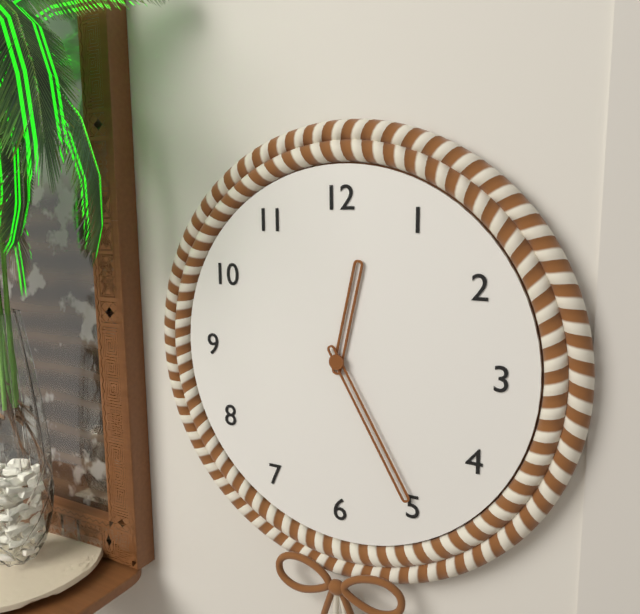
12h25
